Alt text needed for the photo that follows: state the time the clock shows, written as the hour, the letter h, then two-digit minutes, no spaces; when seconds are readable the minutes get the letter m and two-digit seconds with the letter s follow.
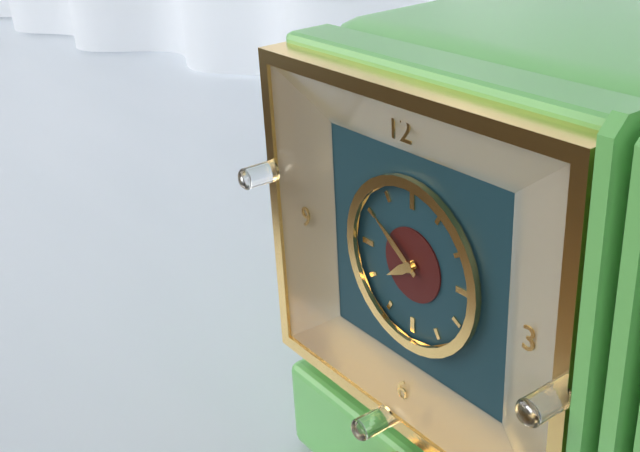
7h51
